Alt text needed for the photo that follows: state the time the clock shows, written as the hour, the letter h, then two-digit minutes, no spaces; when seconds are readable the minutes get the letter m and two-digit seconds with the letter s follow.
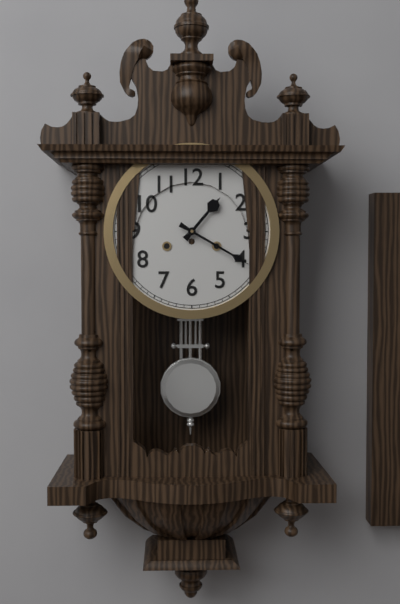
1h20
